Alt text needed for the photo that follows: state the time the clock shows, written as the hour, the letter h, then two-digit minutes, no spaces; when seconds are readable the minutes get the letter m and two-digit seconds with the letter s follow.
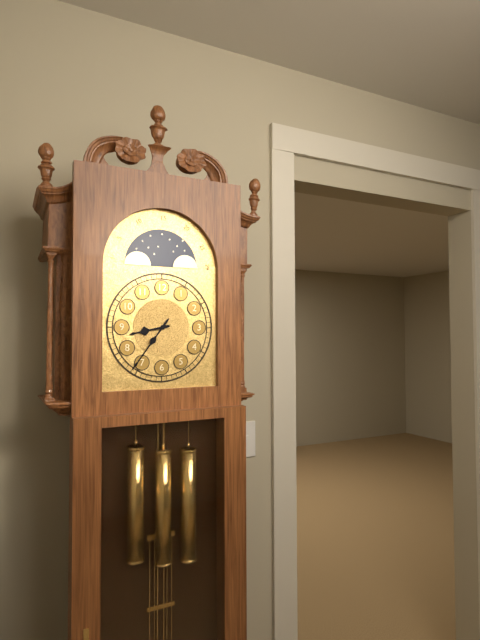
8h36
